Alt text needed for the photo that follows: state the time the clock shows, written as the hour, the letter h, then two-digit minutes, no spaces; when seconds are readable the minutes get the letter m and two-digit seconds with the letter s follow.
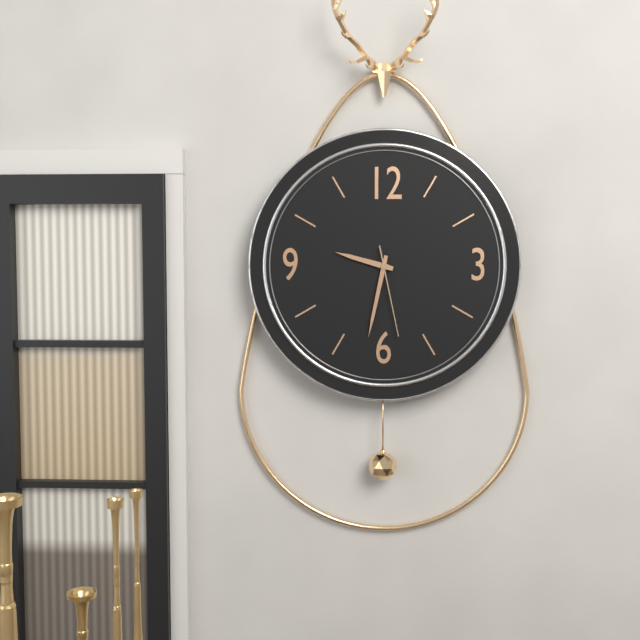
9h32m28s
